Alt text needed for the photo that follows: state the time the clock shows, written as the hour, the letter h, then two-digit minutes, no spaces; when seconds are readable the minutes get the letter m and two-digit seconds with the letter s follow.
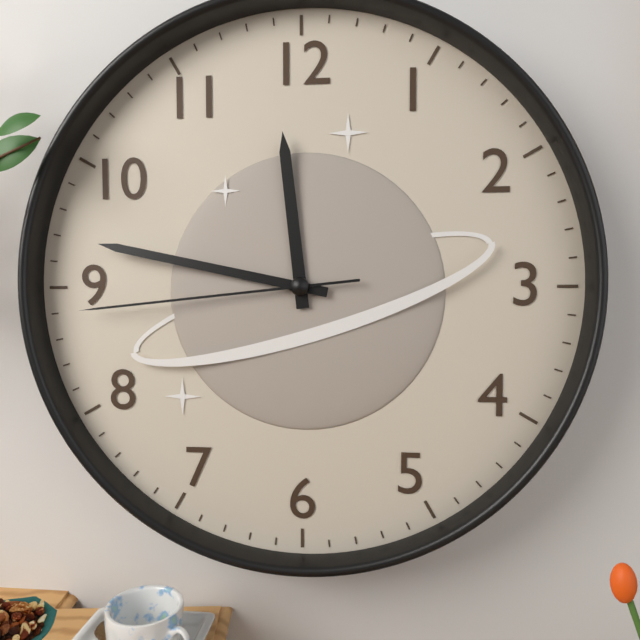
11h47m44s
